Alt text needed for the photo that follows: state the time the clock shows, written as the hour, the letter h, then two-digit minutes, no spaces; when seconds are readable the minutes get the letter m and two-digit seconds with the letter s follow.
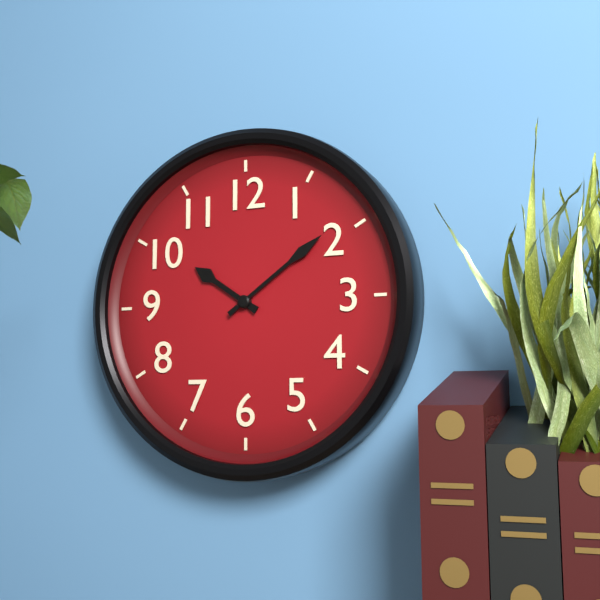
10h09
